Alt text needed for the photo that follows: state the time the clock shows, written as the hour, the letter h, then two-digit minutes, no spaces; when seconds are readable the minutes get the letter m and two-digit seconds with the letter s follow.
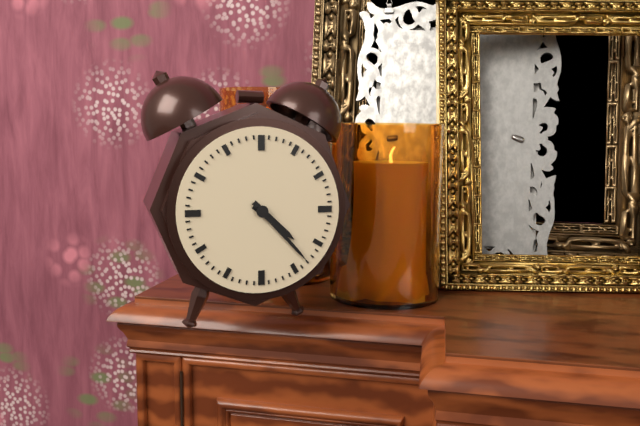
4h23
